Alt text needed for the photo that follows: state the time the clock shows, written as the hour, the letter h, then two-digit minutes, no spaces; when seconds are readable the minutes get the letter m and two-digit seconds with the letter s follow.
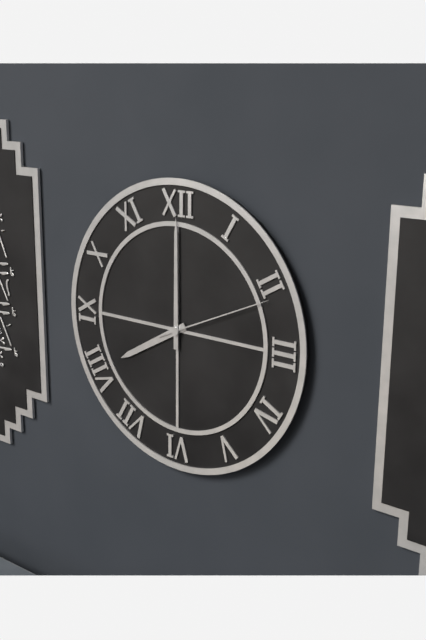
8h00m11s
